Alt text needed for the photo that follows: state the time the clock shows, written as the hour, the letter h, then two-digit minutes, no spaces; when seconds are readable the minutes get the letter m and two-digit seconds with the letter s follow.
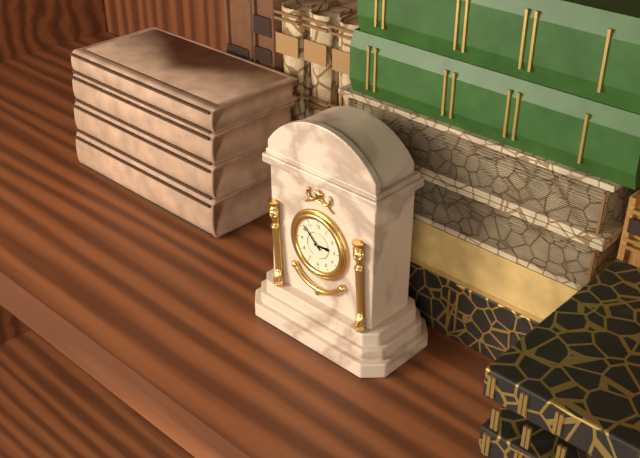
2h52
